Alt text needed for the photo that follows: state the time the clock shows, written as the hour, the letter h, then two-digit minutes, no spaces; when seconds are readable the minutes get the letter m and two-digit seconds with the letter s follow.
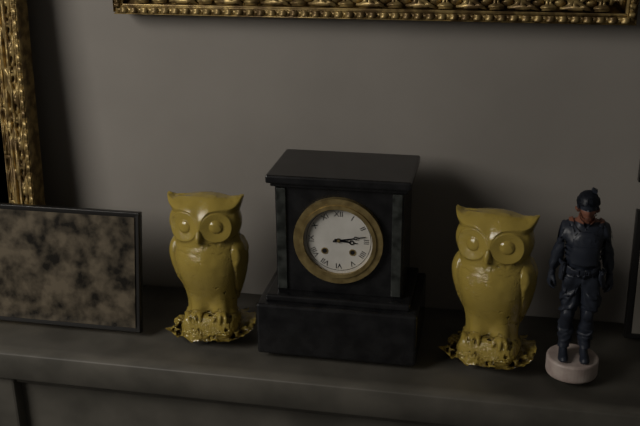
3h13
